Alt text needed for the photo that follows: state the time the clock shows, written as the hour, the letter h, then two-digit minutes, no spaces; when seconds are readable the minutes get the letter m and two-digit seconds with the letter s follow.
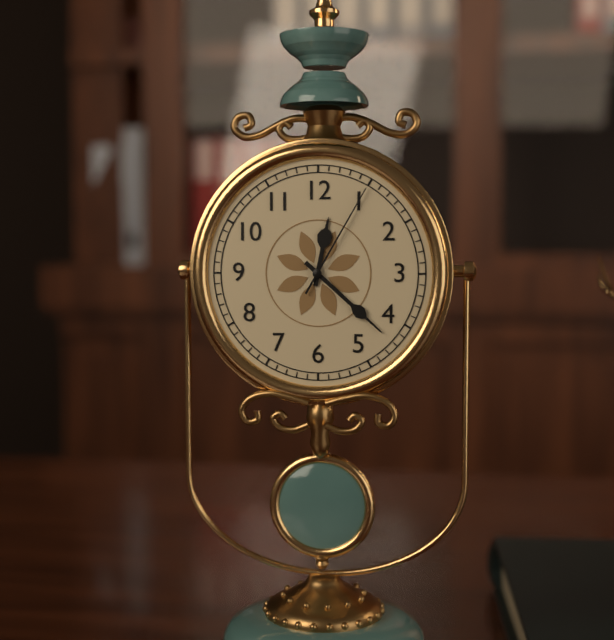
12h22m05s
